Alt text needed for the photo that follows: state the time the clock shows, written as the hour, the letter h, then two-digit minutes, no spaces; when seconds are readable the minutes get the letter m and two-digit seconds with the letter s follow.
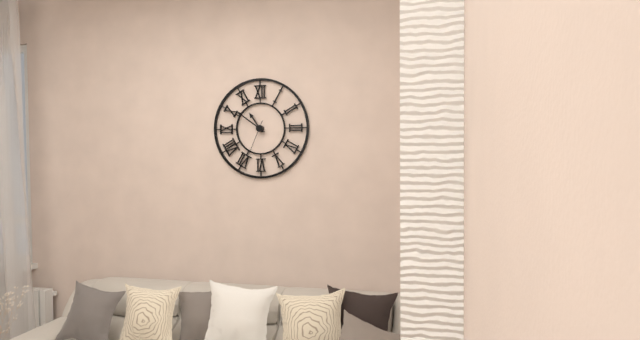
10h51
